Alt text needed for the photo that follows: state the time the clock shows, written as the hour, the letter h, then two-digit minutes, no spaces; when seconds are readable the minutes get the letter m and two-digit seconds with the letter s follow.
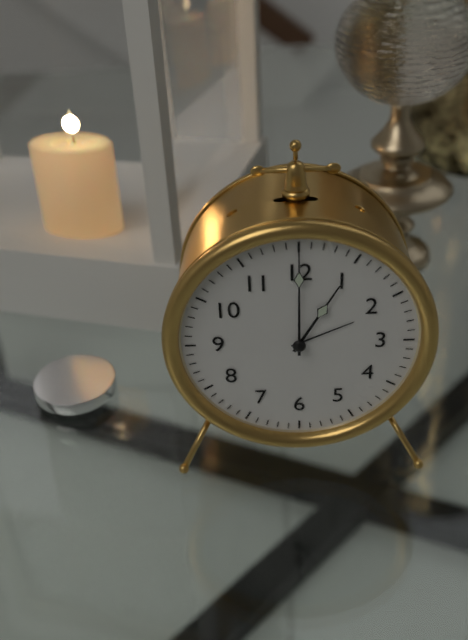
1h00
